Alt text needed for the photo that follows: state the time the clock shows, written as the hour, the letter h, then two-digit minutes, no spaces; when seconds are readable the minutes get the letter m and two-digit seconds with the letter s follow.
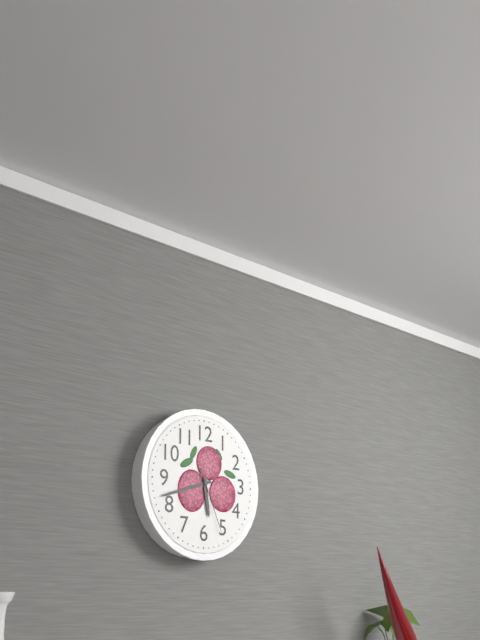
5h42m26s
